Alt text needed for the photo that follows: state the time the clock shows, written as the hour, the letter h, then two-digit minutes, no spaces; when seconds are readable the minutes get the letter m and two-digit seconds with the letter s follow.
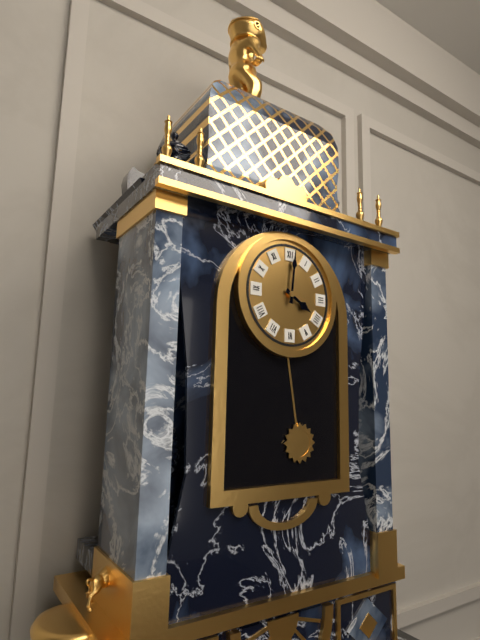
4h01
